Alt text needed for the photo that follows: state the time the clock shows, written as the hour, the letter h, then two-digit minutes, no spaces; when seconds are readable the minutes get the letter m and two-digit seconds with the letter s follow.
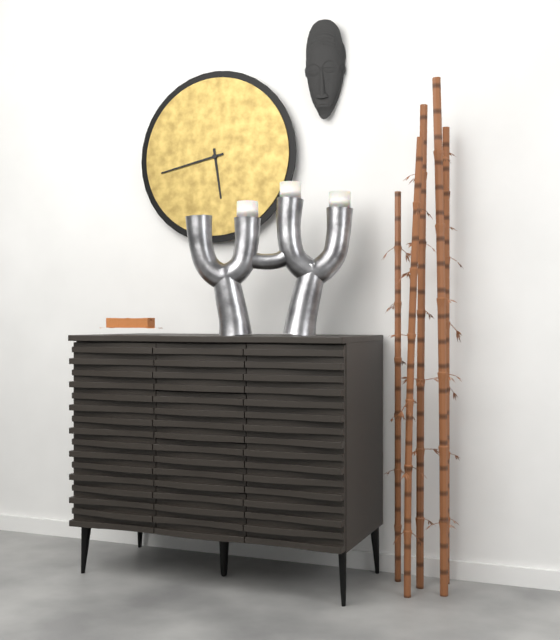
5h43
